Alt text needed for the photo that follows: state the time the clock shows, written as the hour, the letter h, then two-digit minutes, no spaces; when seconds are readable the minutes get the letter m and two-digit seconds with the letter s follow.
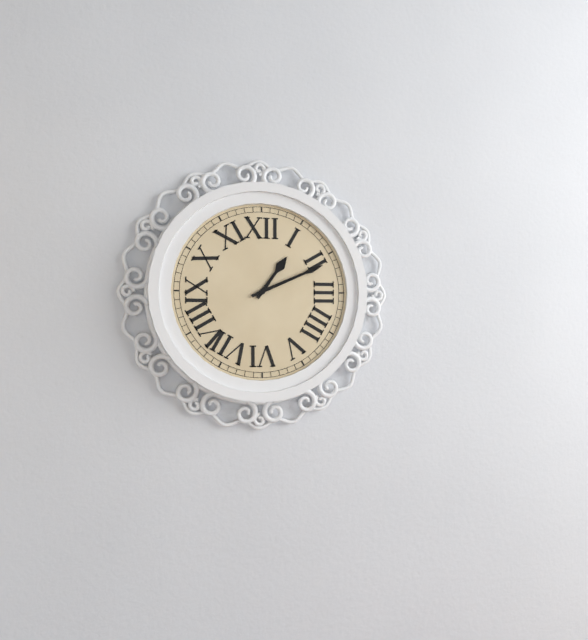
1h11
